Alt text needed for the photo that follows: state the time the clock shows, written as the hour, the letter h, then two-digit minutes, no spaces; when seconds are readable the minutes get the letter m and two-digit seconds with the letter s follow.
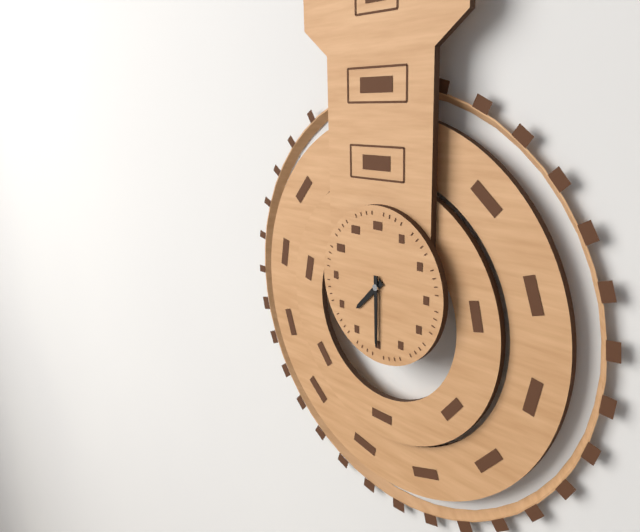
7h30
